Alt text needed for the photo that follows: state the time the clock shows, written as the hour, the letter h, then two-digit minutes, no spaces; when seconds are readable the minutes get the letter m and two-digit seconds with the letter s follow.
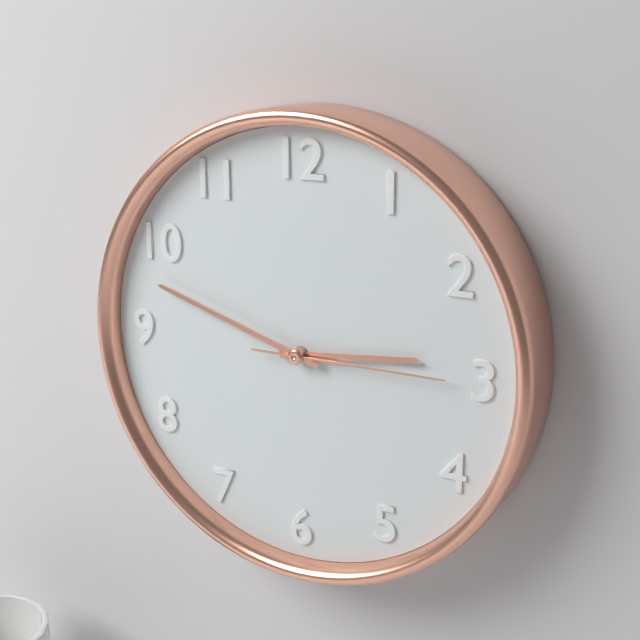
2h48m15s
